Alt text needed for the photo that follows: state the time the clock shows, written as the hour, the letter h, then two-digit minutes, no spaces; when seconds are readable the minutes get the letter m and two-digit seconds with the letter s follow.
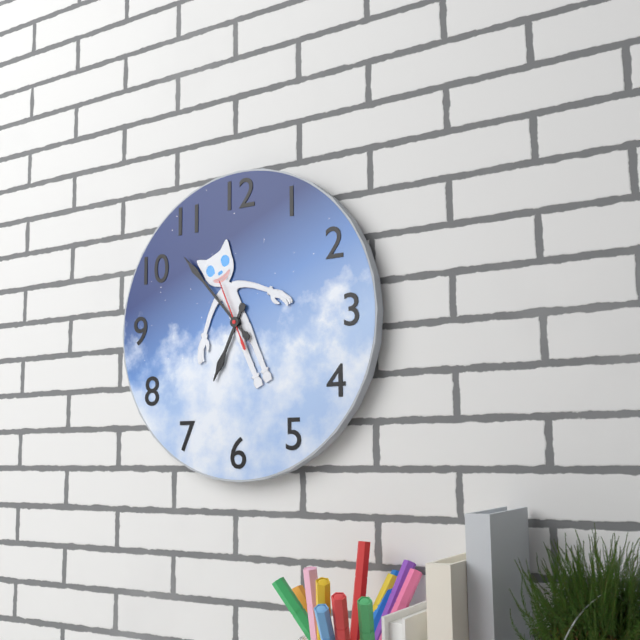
6h53m56s
